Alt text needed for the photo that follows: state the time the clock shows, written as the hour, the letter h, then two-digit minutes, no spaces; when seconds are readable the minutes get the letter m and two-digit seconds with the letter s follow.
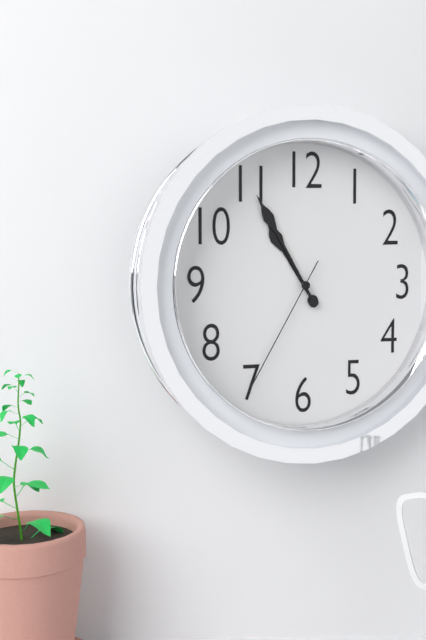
10h55m35s
